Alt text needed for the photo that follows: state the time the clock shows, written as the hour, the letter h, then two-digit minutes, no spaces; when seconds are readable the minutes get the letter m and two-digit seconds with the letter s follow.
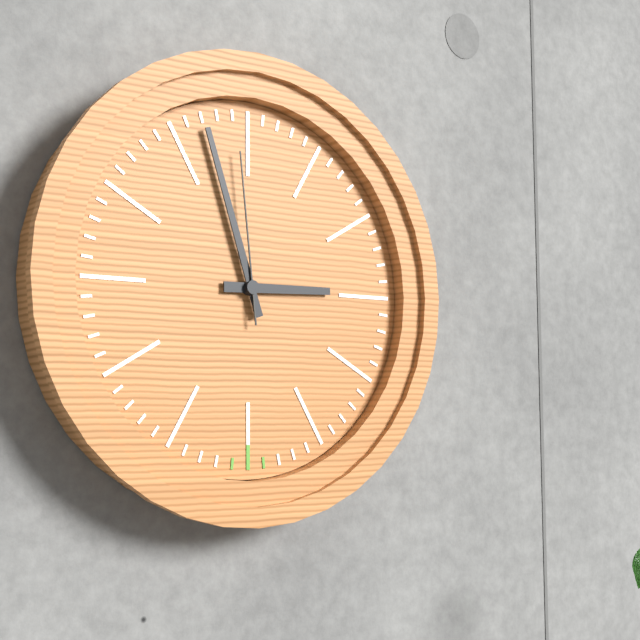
2h57m59s
